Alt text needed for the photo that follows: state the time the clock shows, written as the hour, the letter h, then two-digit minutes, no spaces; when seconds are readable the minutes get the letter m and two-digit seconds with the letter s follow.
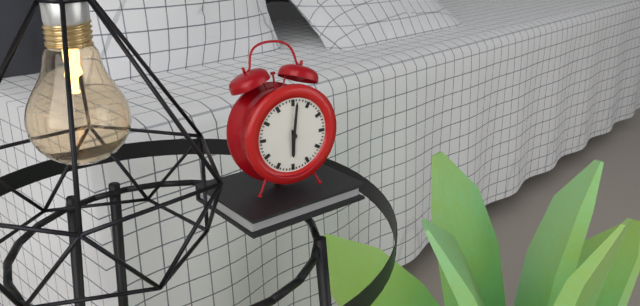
6h01
